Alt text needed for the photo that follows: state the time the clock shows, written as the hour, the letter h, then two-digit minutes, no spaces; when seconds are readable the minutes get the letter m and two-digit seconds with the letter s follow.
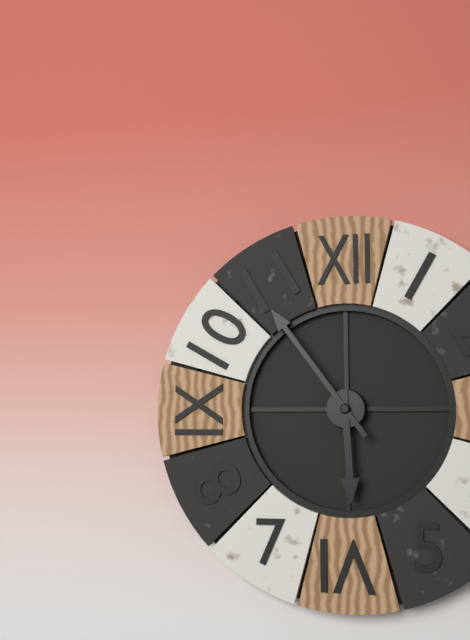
5h54
